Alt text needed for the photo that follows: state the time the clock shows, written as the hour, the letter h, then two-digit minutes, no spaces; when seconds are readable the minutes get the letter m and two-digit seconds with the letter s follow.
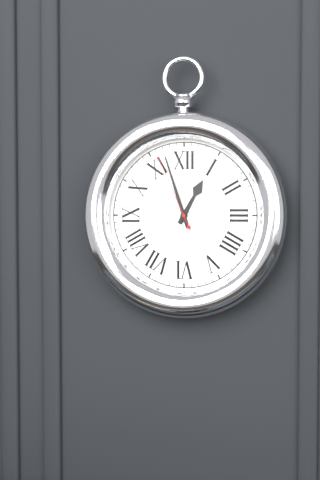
12h57m56s
